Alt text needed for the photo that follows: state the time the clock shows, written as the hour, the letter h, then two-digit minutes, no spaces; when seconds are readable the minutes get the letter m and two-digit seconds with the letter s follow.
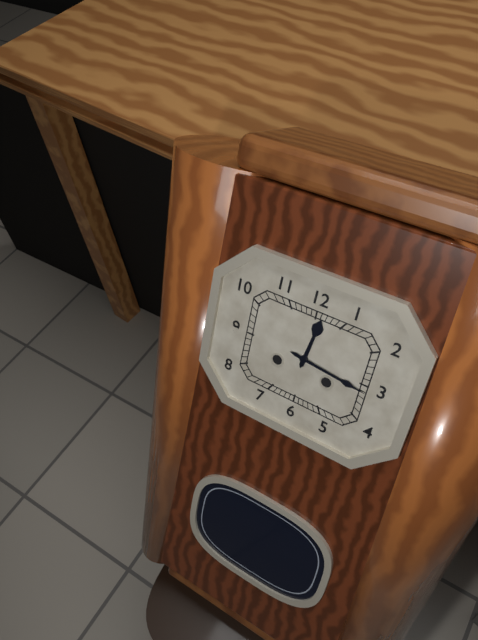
12h16
